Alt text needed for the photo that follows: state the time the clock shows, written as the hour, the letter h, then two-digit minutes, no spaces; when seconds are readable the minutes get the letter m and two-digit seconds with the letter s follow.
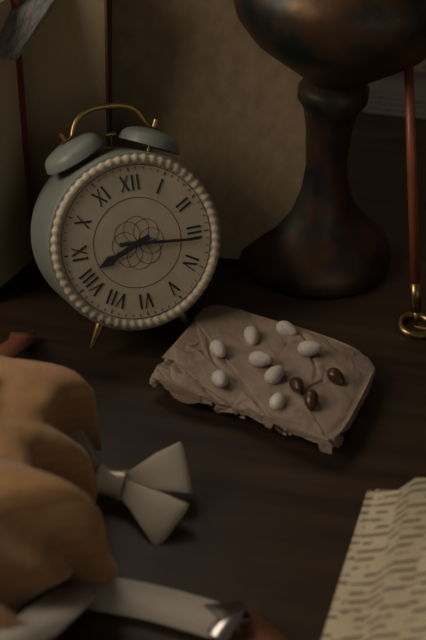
8h16
